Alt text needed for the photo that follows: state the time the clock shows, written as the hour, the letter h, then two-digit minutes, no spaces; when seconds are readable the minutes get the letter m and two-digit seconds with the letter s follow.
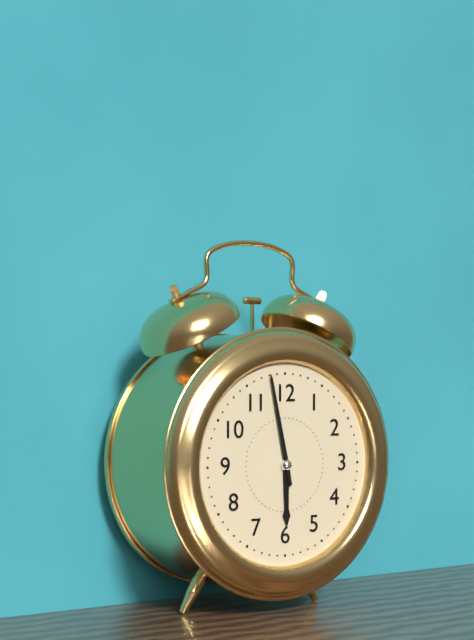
5h58
